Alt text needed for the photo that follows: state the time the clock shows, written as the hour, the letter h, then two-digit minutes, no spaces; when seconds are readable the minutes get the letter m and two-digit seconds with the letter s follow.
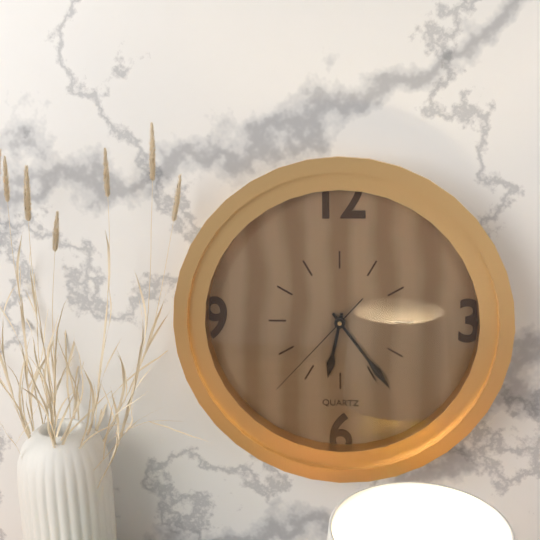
6h24m37s
